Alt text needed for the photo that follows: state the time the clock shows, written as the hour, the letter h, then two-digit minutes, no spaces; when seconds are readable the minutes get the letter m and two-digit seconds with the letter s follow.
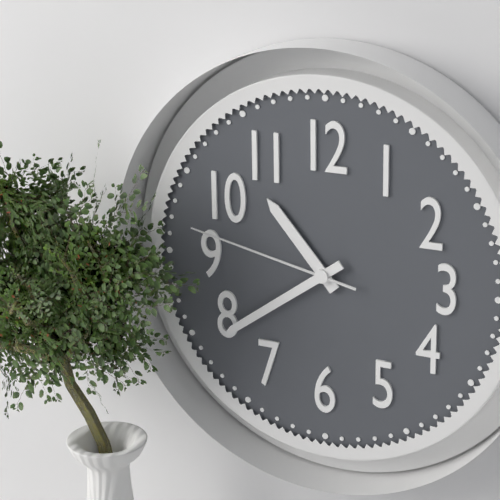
10h39m47s
